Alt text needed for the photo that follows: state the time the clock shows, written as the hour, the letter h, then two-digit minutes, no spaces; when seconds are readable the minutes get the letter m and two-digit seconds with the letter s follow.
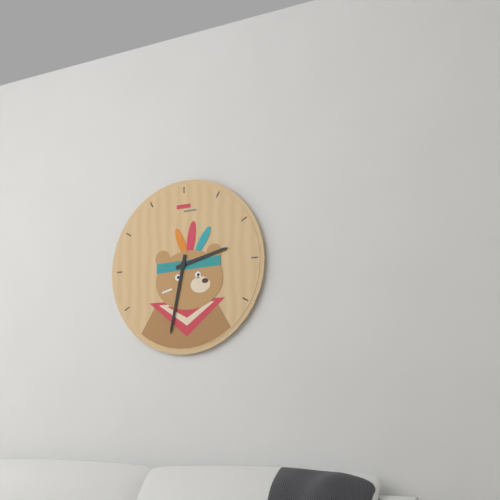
2h32
